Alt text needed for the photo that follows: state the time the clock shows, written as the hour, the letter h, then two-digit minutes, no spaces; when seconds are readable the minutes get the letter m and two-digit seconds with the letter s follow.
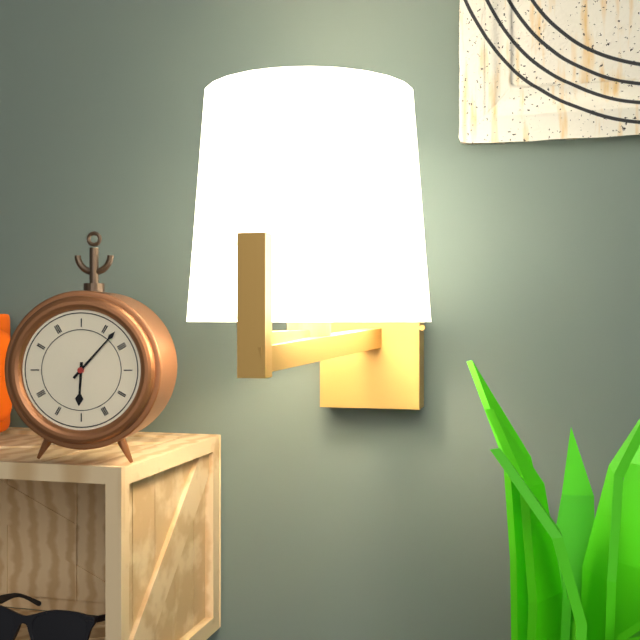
6h07
